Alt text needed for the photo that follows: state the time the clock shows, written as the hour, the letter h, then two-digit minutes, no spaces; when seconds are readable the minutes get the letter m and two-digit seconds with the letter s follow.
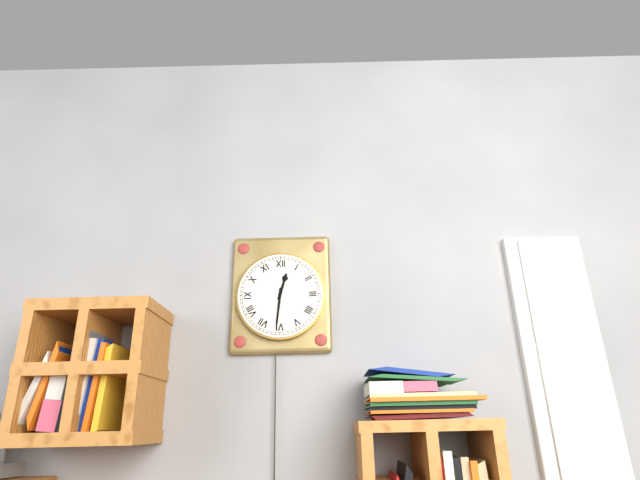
12h31
